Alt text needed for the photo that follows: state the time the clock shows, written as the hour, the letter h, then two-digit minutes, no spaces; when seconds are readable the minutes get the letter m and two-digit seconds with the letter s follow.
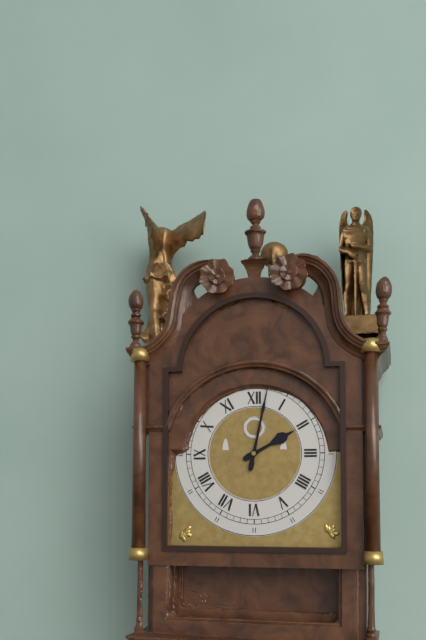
2h02
